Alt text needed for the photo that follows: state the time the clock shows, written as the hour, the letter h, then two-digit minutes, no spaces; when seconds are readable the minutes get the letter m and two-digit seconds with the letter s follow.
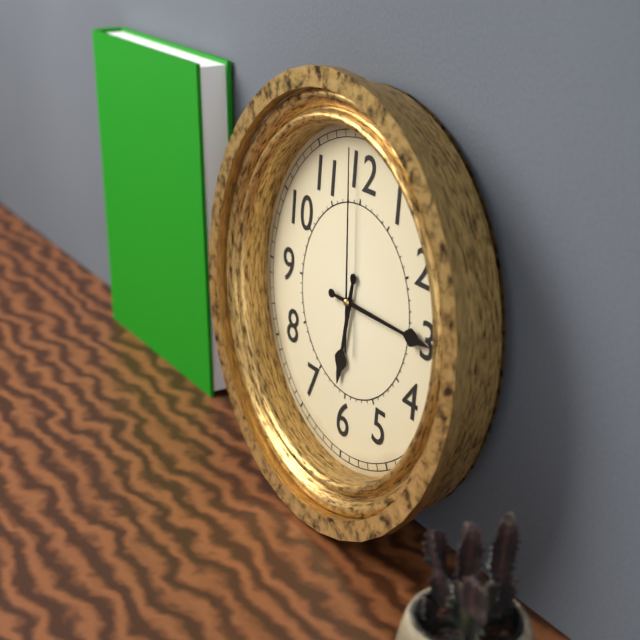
6h15m59s
